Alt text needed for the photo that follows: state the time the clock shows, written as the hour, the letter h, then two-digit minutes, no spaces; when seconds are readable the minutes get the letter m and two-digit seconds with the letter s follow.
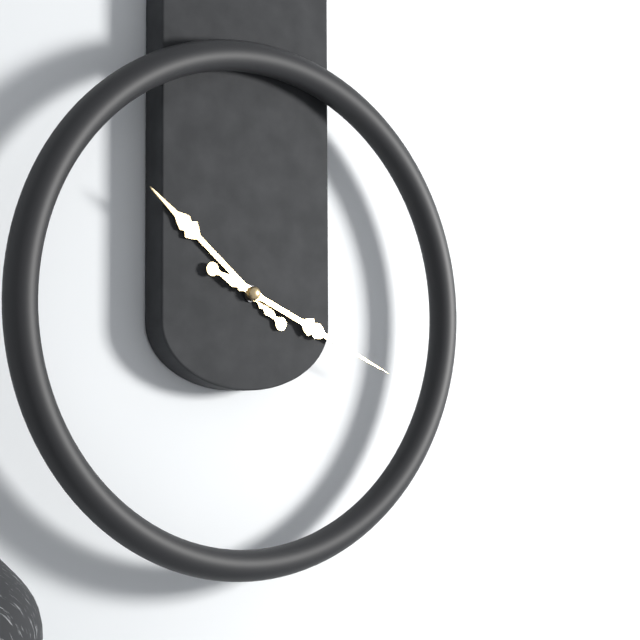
10h19
